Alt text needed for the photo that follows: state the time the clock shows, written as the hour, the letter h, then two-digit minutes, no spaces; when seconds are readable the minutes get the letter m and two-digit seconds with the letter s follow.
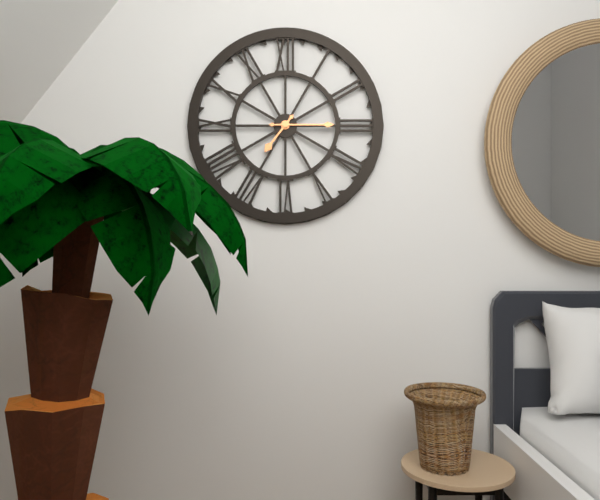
7h15
